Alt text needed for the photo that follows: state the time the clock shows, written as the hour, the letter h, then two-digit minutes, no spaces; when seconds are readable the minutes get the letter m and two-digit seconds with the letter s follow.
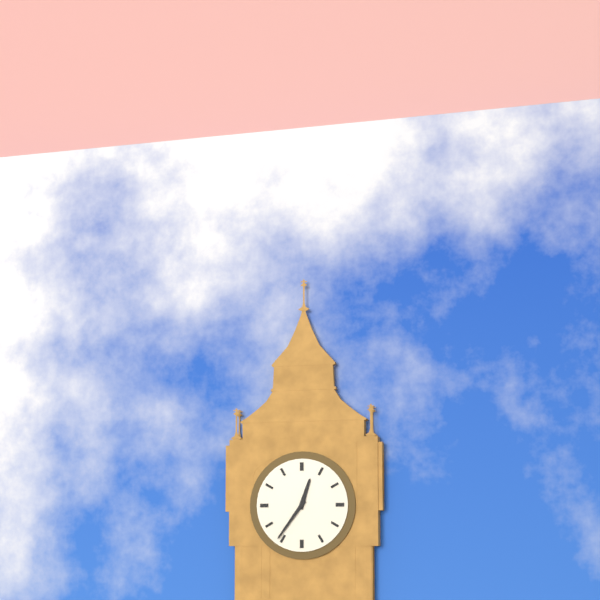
12h36
